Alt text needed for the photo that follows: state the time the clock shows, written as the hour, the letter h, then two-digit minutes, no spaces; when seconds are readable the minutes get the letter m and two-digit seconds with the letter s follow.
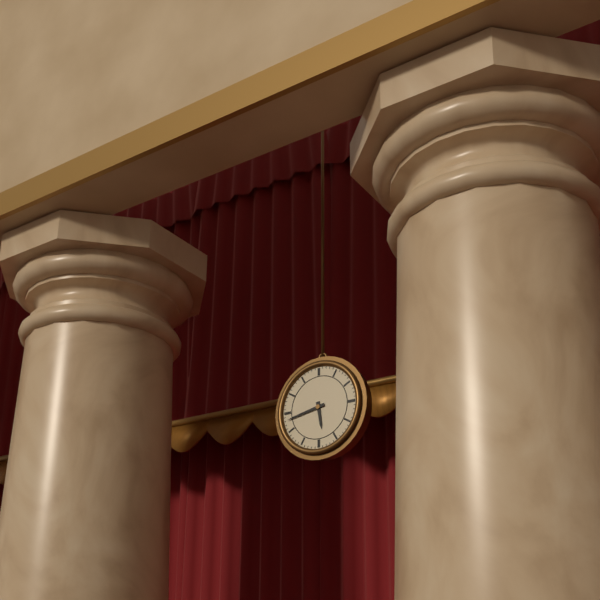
5h43
